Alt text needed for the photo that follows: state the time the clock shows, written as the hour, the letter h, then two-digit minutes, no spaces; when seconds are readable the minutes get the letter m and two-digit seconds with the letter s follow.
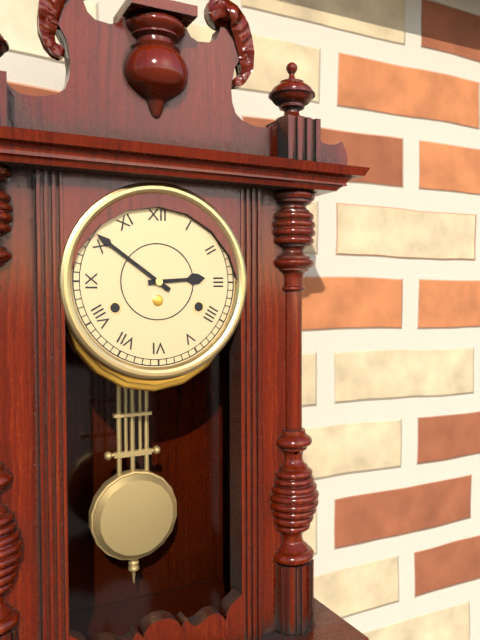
2h51
